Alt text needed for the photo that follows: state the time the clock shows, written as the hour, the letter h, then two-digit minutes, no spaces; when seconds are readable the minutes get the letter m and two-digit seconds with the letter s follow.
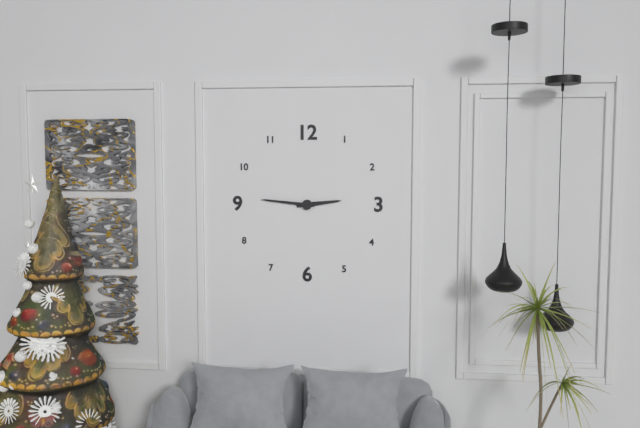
2h46
